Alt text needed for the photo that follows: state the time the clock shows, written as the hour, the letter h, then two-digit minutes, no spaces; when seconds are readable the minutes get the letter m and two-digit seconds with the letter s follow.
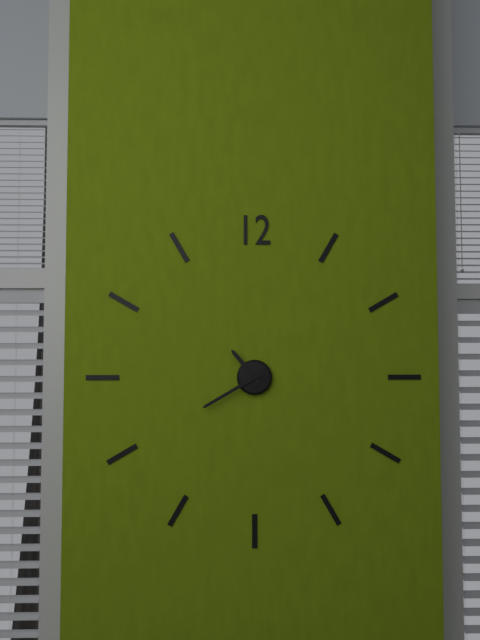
10h40
